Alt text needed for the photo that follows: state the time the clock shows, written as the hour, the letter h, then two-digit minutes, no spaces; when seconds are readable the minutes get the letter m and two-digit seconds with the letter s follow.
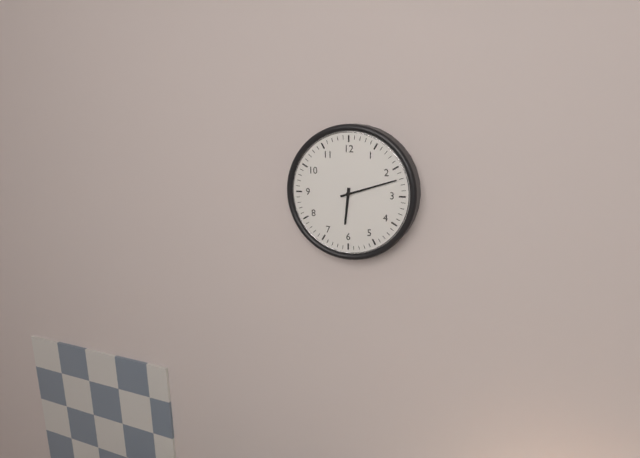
6h12
